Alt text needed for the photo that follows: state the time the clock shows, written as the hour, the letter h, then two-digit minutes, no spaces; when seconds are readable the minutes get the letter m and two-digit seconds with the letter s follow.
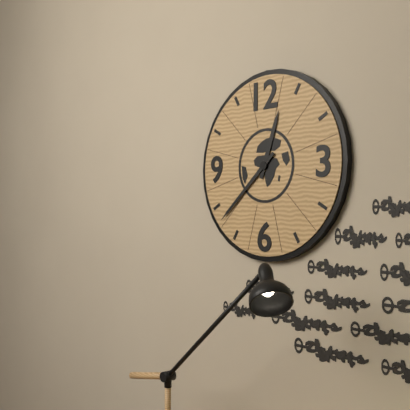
12h38
